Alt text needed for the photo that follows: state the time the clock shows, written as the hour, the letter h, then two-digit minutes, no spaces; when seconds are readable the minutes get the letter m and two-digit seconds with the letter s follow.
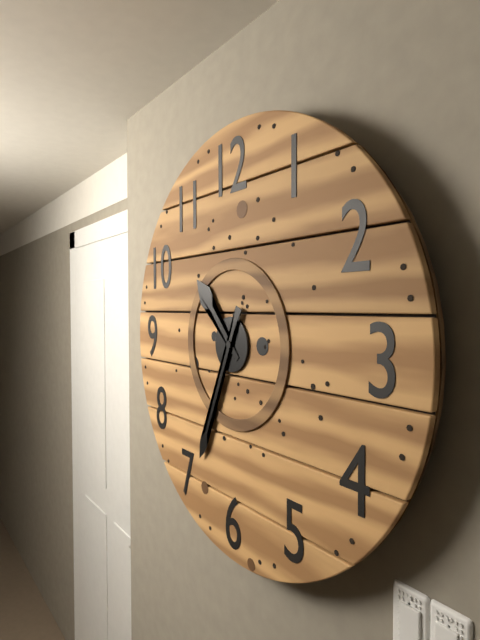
10h34
